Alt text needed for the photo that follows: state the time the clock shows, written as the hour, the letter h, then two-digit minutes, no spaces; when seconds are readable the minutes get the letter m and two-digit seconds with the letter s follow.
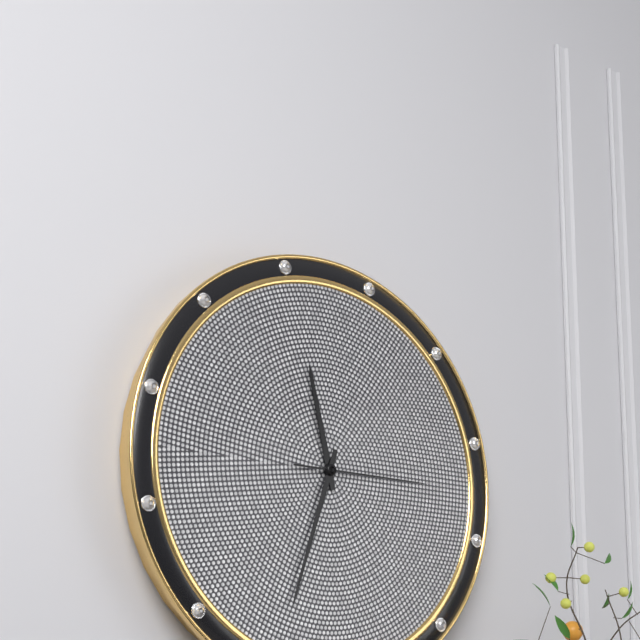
11h33m15s
